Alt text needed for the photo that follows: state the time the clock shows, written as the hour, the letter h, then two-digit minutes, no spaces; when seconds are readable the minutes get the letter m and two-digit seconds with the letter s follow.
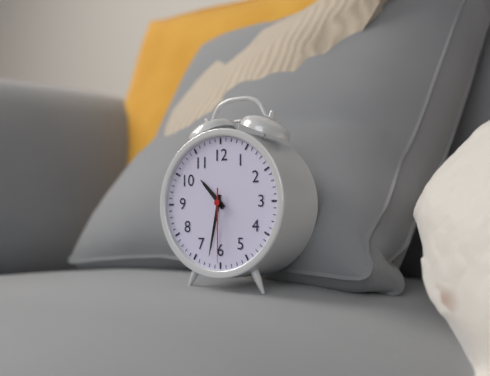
10h32m30s
